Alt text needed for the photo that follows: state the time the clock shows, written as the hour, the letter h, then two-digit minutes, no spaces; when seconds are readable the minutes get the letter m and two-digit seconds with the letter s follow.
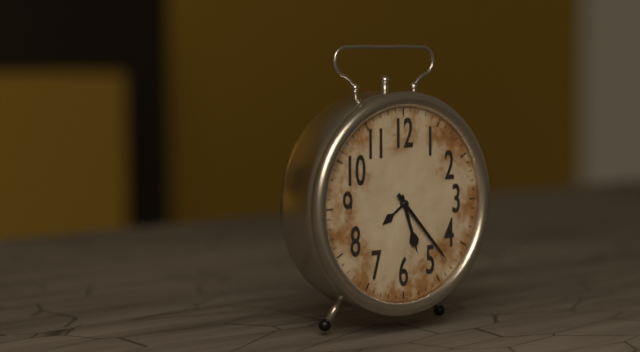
5h23
